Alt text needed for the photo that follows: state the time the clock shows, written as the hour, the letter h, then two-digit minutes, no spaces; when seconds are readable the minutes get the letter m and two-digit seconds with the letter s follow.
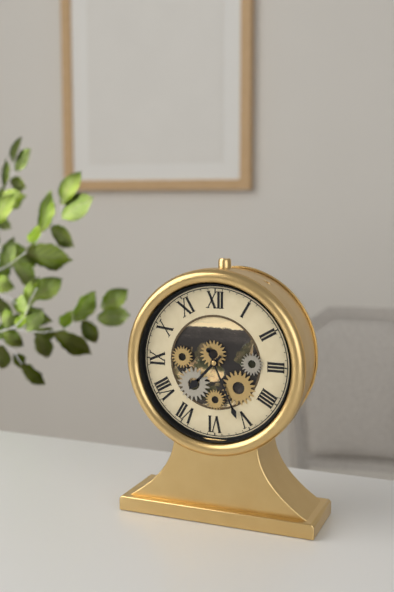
7h26
